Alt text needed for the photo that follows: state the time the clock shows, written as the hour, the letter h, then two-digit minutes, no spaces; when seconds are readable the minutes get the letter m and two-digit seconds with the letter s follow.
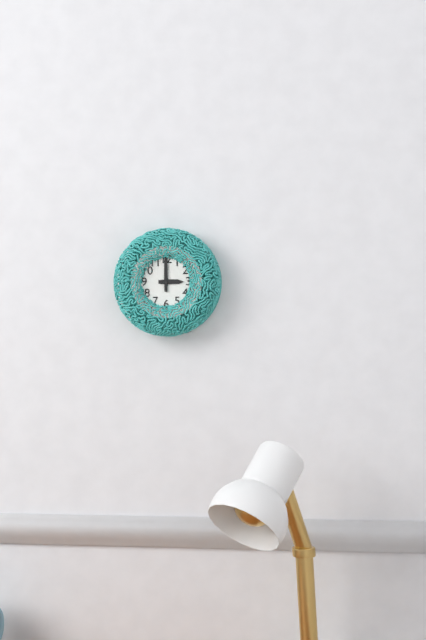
3h00
